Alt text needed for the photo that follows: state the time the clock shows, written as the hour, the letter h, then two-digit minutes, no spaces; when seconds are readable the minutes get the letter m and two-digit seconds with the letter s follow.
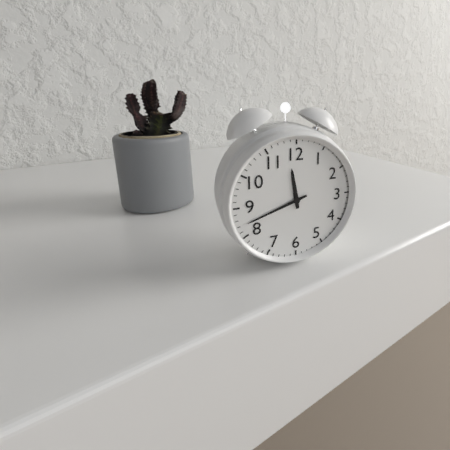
11h42
